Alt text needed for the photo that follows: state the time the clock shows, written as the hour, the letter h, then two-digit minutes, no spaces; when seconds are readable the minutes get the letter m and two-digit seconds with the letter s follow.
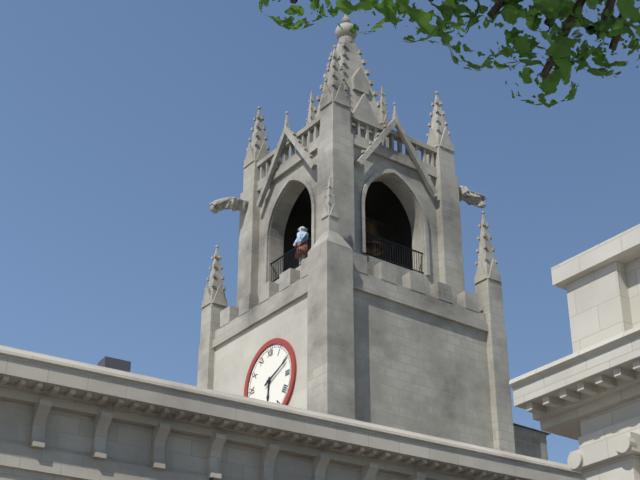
6h11
